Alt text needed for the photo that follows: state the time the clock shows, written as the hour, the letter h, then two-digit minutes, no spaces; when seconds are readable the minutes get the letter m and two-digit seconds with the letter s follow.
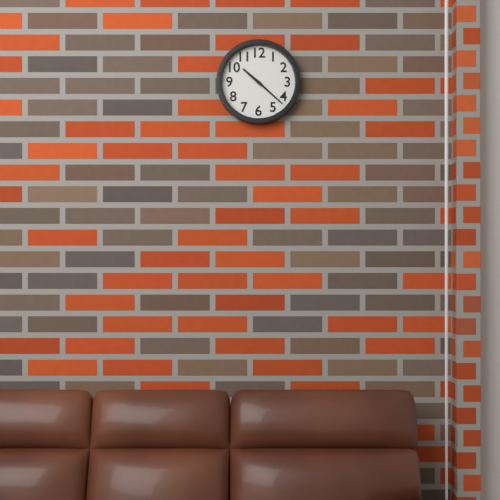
10h22
